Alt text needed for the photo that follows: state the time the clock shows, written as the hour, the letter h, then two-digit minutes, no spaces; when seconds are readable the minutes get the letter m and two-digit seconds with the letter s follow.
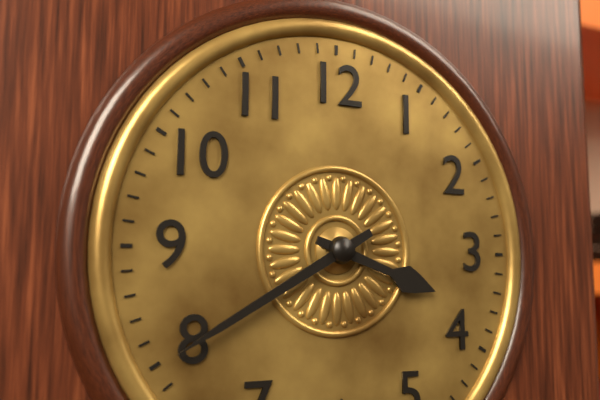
3h40
